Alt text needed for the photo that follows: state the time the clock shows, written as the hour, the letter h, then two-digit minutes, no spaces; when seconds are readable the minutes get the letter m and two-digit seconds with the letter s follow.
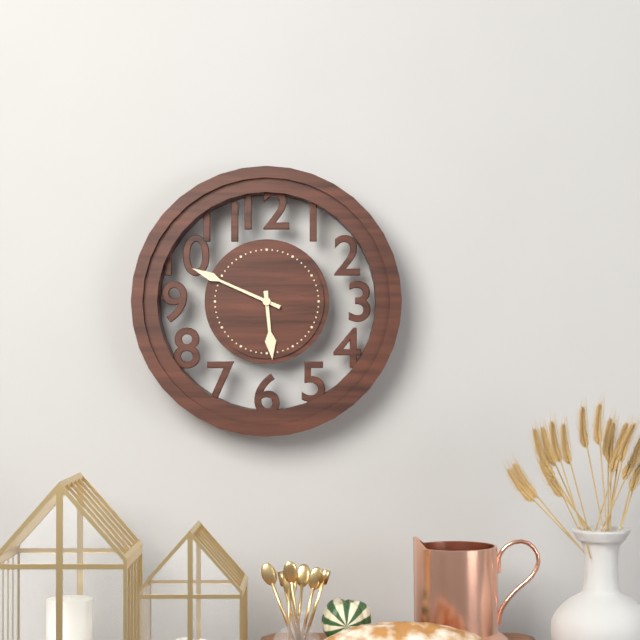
5h49
